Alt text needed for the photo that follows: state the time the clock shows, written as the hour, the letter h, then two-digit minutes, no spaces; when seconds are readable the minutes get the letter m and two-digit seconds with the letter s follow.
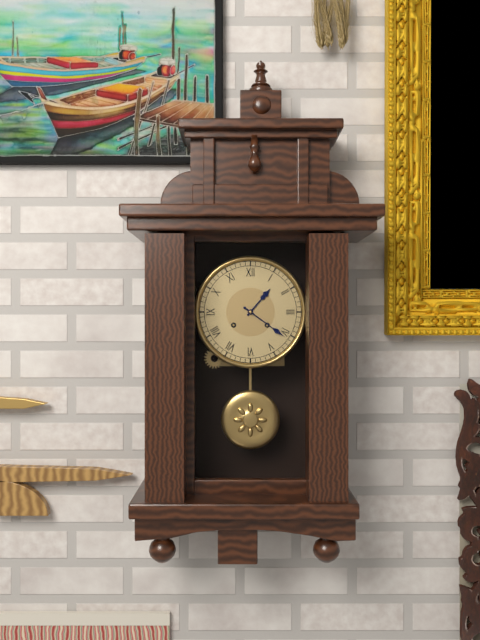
1h21
